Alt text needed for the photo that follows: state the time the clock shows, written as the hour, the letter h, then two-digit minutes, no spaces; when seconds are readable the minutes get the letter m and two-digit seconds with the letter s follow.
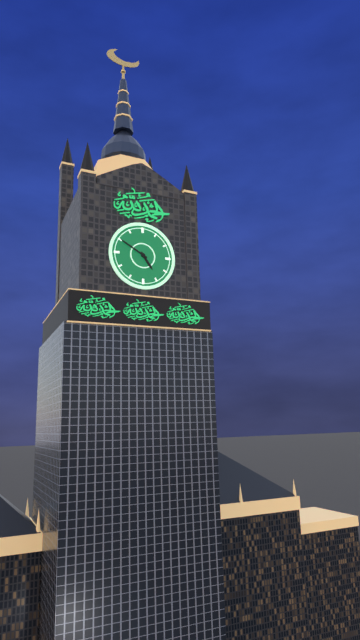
4h50
